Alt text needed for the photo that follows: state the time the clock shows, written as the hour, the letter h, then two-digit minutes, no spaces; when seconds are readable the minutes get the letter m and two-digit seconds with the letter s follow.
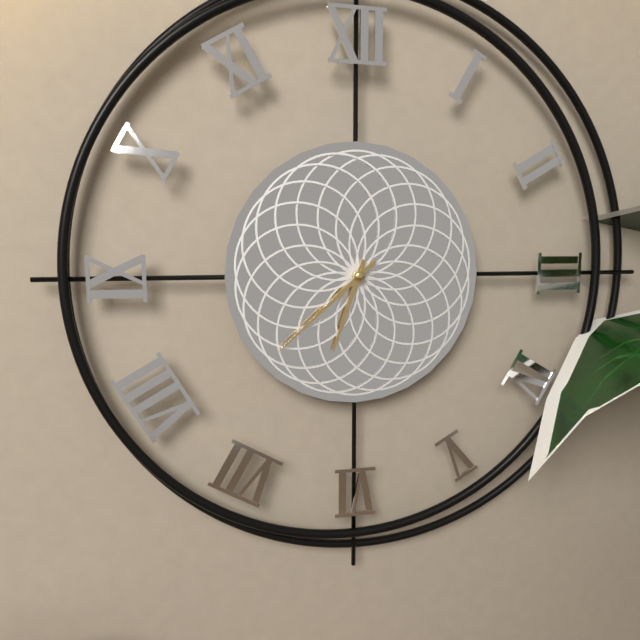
6h38
